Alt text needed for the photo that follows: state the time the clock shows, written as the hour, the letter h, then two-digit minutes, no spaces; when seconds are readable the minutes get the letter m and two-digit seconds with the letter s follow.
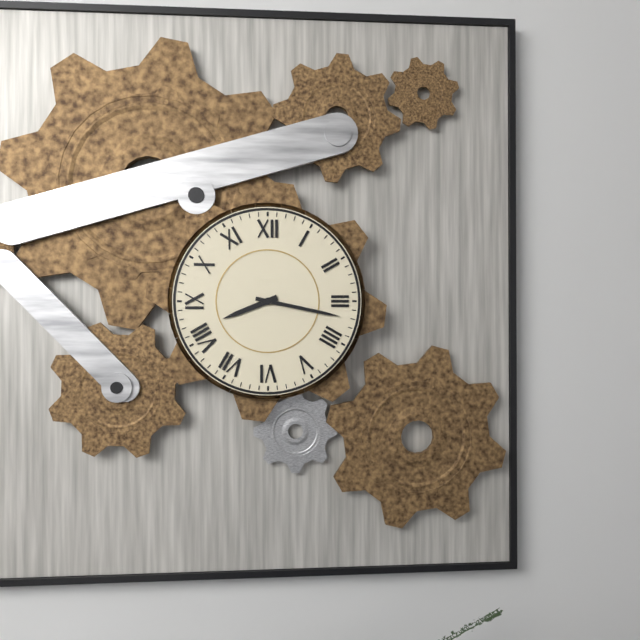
8h17
